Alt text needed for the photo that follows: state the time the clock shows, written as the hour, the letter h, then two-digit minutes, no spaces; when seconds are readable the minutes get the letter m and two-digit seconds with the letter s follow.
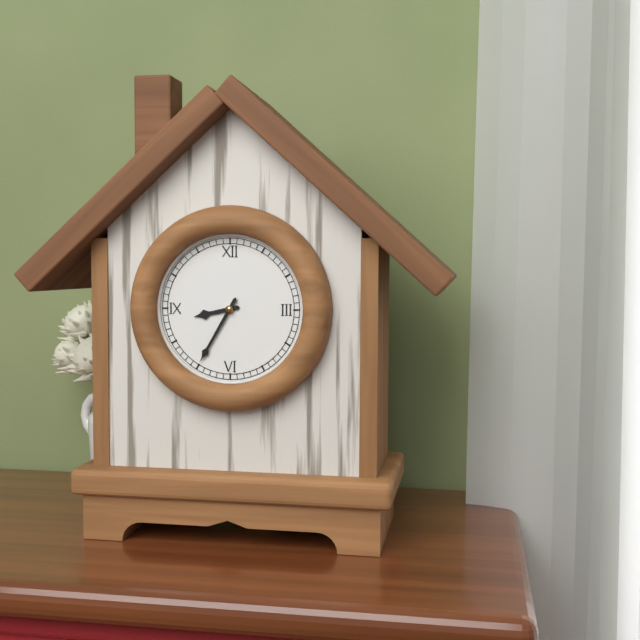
8h35
